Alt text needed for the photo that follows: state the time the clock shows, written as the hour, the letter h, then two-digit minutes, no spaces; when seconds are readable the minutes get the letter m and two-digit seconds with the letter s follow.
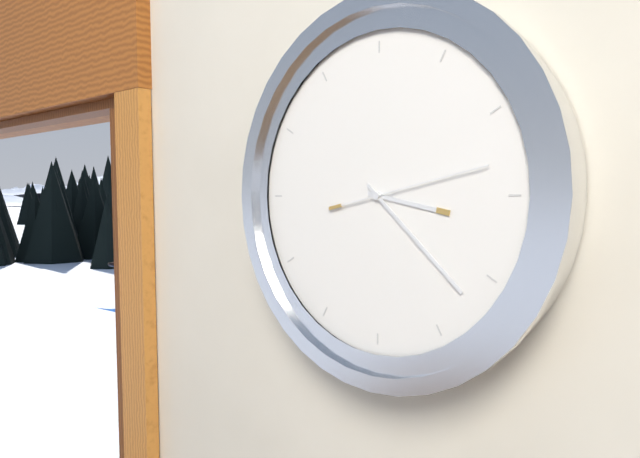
3h22m13s
